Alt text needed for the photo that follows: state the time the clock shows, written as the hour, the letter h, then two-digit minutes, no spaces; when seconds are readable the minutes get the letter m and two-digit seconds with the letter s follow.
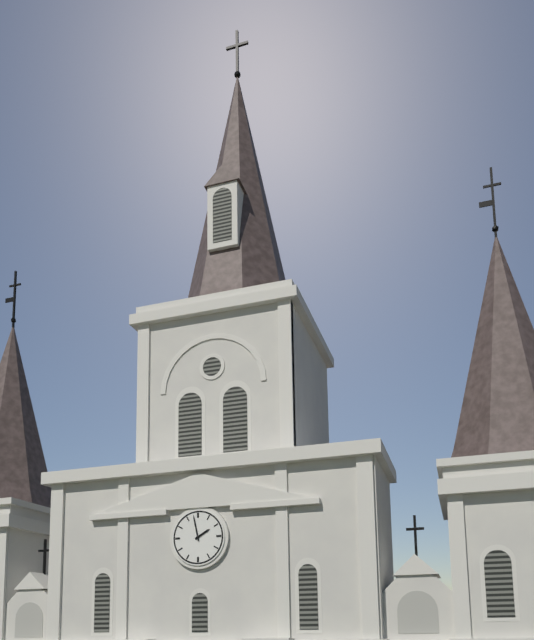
1h58
